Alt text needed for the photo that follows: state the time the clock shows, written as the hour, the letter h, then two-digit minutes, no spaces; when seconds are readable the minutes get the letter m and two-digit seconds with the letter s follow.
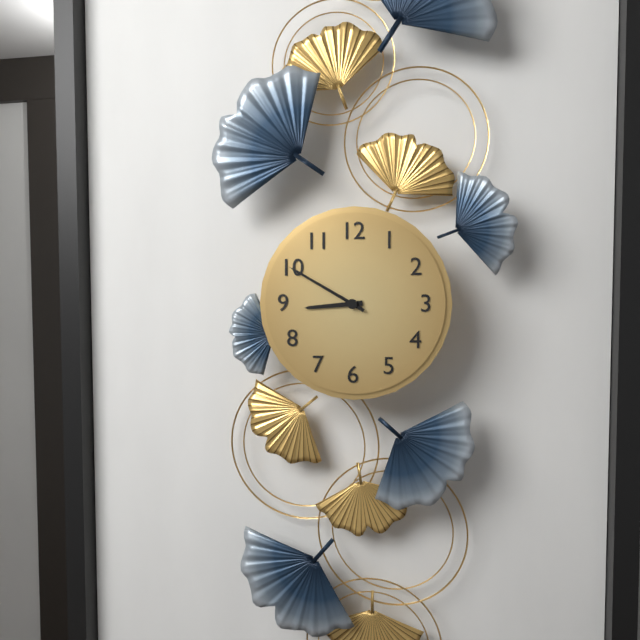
8h50
